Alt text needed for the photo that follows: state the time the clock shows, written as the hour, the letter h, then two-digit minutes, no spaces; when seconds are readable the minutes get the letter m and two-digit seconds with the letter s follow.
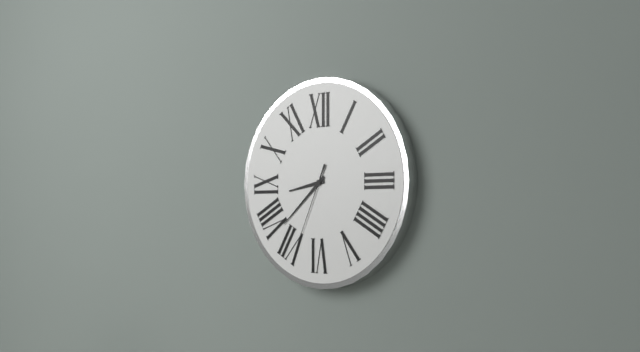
8h38m34s
